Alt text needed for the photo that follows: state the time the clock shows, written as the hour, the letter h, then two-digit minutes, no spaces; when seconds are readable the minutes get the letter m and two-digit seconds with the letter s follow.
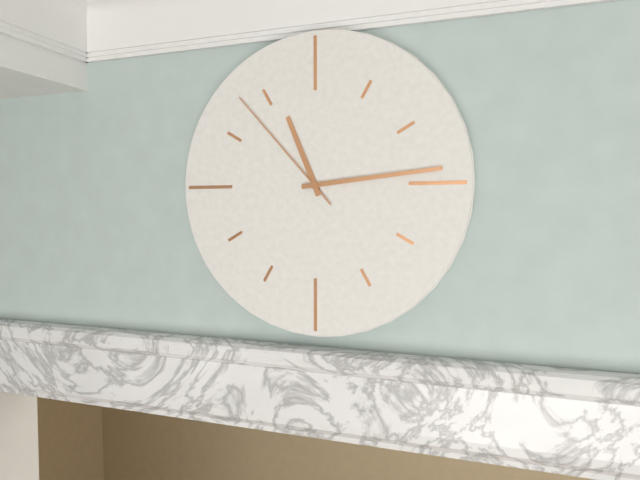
11h14m53s
